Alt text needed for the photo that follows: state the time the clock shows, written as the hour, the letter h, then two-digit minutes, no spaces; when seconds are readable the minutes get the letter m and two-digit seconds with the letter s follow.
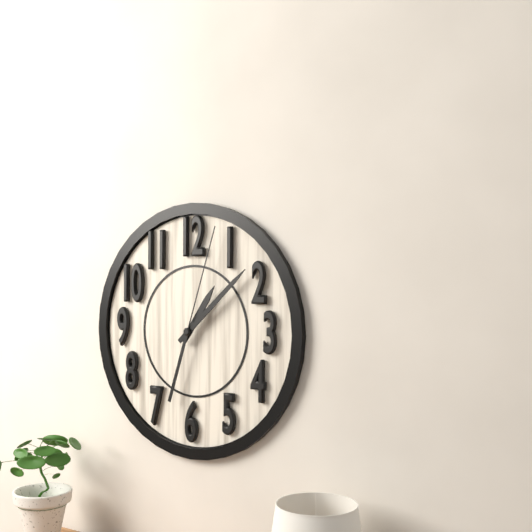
1h08m03s
